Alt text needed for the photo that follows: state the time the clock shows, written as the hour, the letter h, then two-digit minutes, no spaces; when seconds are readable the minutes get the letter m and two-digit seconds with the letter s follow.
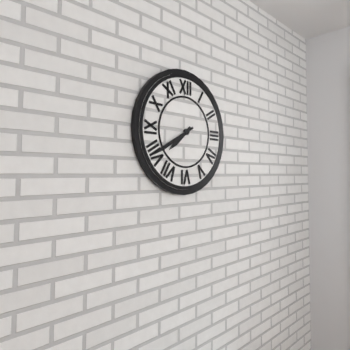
7h40
